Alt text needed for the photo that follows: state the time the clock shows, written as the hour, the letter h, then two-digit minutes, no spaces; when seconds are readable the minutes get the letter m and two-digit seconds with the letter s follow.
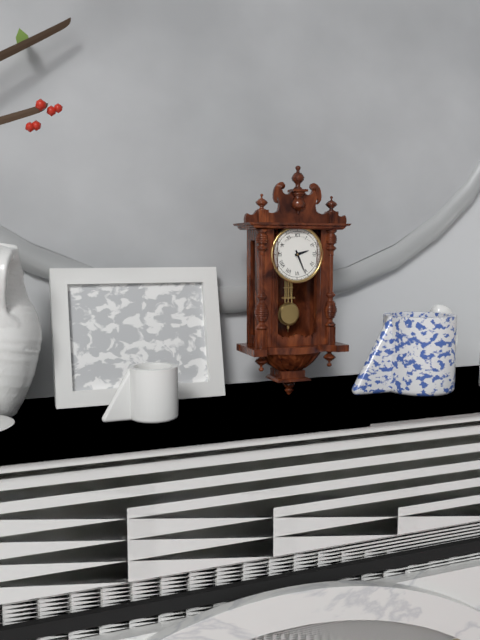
2h26
